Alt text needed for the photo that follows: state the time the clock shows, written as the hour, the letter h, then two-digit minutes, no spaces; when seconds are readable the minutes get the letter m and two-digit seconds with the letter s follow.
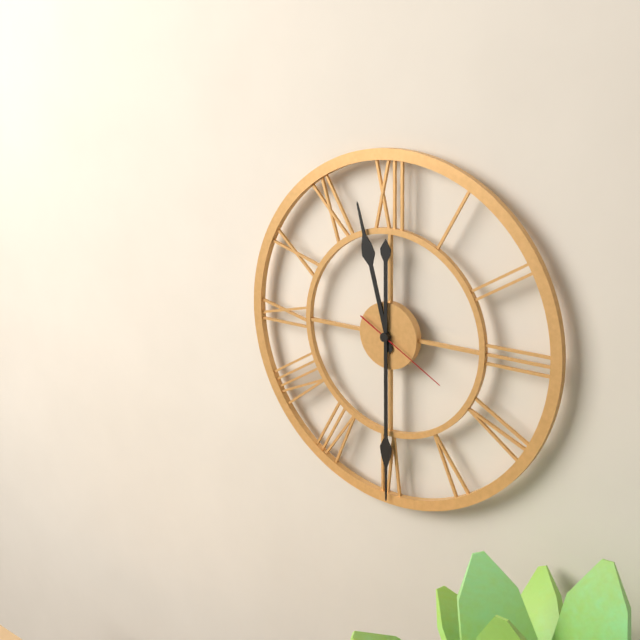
11h30m20s
